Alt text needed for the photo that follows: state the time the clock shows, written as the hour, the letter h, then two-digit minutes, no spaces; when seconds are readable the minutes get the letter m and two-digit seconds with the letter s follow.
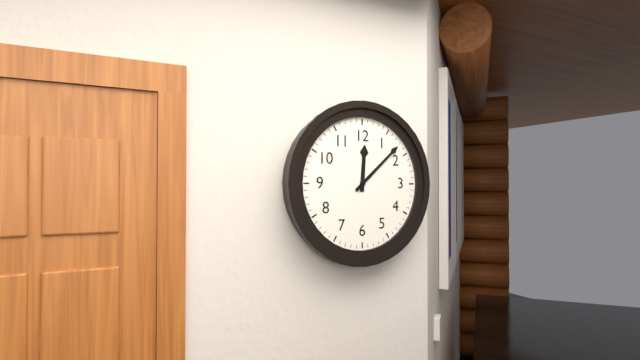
12h08
